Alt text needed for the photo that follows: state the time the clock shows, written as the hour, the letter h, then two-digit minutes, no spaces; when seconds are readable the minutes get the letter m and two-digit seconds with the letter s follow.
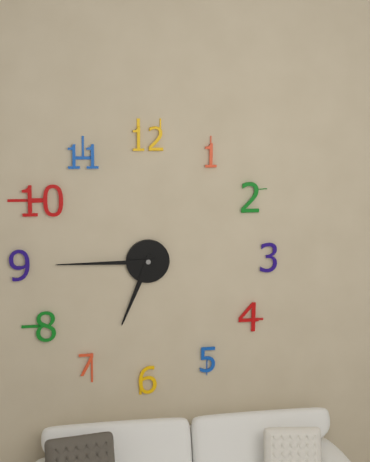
6h45
